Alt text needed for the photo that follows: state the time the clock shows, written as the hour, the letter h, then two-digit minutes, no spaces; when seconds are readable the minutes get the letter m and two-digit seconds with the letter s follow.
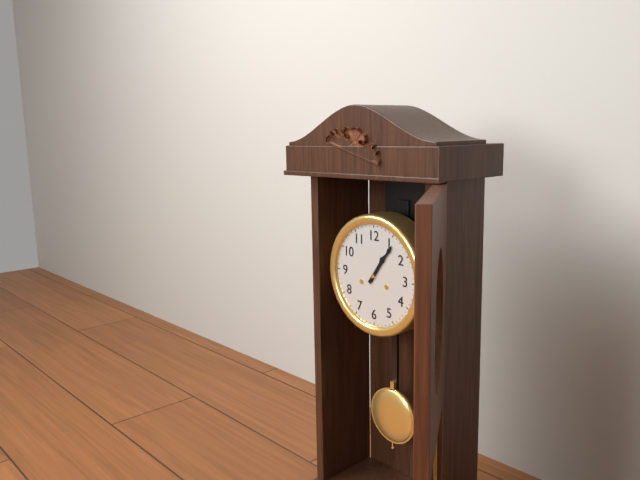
1h06
